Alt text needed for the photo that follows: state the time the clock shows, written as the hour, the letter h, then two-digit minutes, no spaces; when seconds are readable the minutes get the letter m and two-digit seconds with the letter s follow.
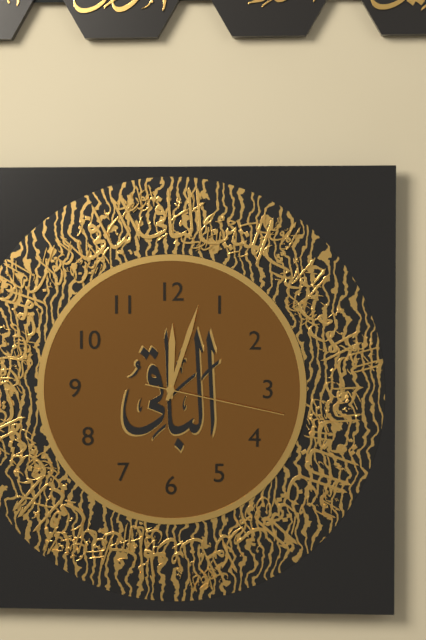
12h03m17s
